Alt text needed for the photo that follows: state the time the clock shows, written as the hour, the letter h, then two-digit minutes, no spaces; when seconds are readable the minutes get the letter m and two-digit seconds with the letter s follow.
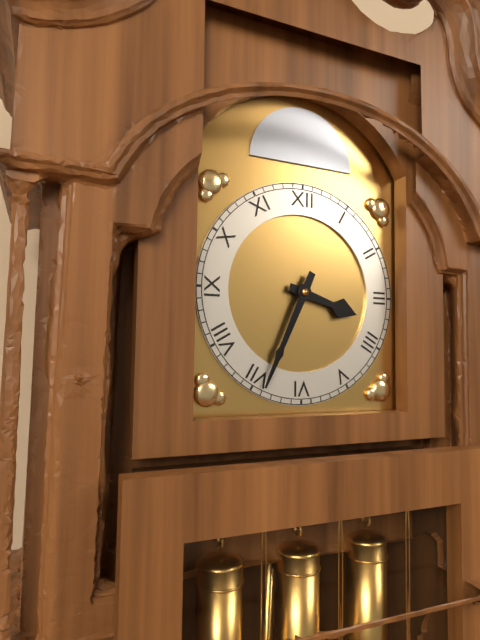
3h34
